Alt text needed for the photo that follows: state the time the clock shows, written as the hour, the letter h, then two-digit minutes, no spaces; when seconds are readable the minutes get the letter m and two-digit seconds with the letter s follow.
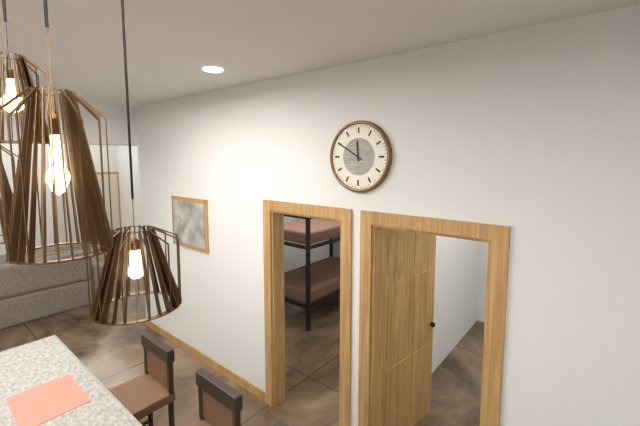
11h50
